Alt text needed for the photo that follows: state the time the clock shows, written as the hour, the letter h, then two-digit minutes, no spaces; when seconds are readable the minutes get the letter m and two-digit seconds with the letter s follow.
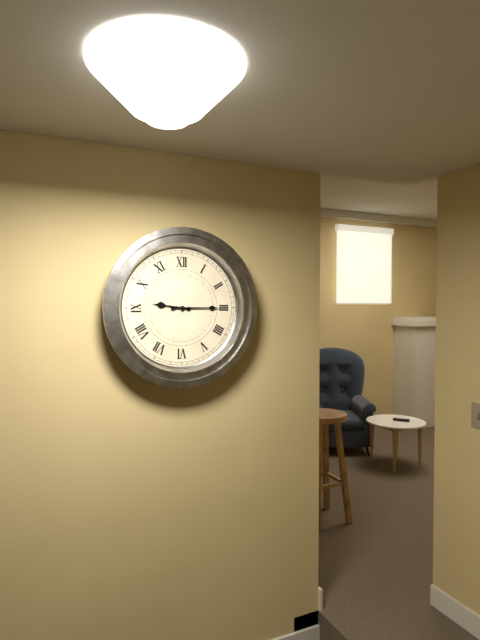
9h15
